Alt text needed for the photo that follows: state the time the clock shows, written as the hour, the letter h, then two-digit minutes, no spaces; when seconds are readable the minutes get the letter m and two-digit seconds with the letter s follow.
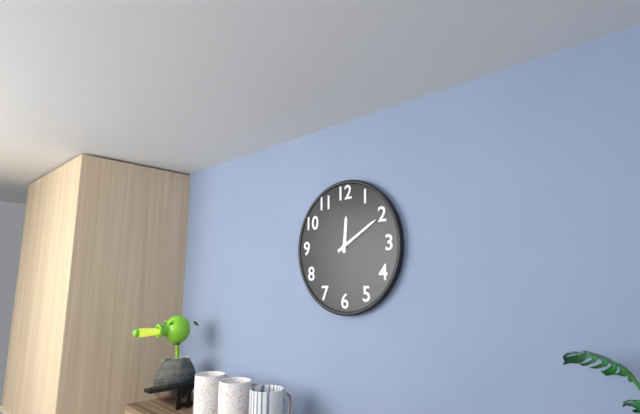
12h10
